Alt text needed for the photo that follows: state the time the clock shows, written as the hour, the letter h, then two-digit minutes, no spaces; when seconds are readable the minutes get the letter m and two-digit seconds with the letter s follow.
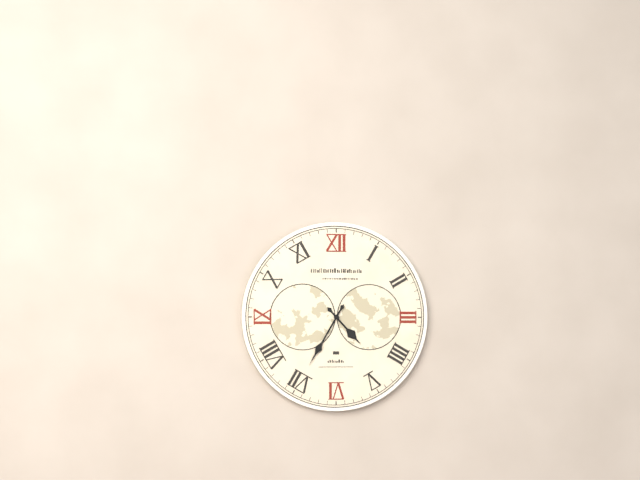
4h35
